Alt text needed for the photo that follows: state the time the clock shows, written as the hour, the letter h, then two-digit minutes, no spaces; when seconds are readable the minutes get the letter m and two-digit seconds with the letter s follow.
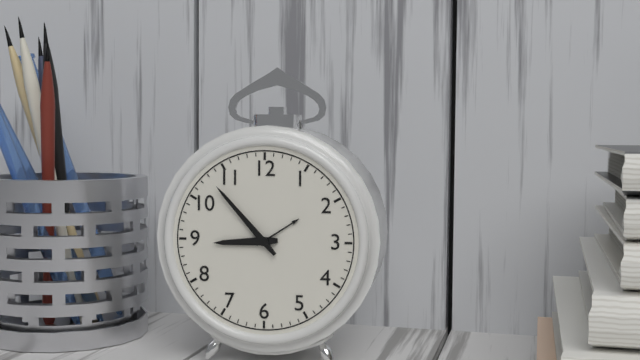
8h53
